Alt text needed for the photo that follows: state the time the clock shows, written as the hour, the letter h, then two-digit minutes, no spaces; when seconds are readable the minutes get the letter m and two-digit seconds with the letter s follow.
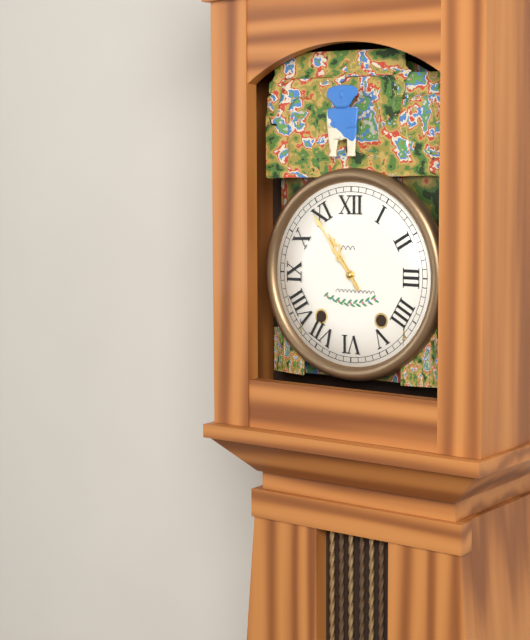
10h54
